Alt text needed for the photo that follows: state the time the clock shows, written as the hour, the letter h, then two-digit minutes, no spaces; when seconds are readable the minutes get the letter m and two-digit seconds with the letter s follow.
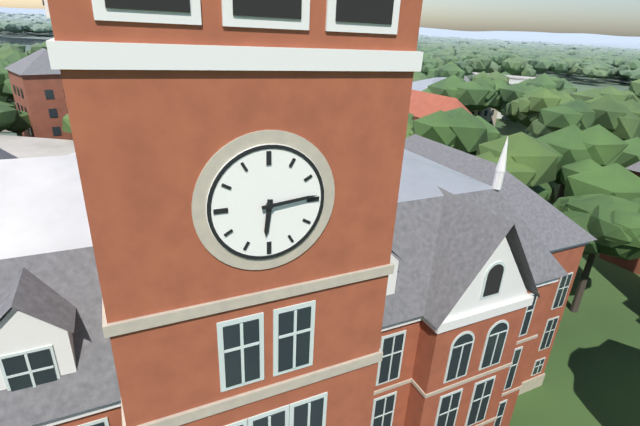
6h14
